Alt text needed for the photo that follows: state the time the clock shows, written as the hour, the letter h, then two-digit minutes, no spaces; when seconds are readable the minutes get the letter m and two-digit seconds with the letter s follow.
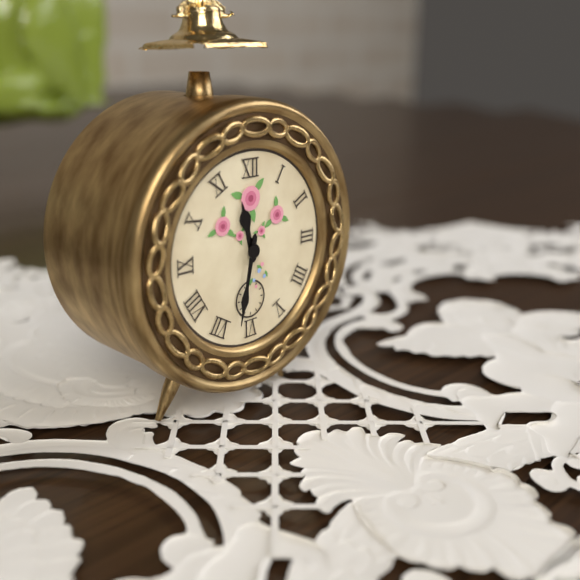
11h32
